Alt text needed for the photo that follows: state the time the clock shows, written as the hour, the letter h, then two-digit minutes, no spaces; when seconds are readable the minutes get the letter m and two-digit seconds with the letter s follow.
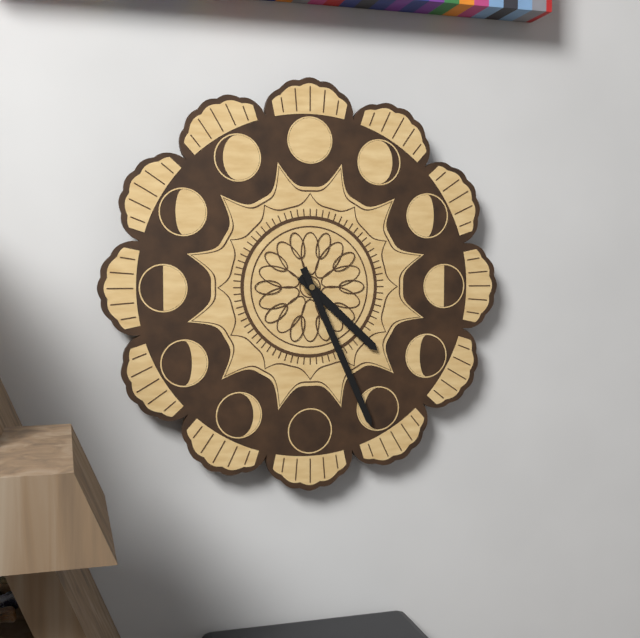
4h26
